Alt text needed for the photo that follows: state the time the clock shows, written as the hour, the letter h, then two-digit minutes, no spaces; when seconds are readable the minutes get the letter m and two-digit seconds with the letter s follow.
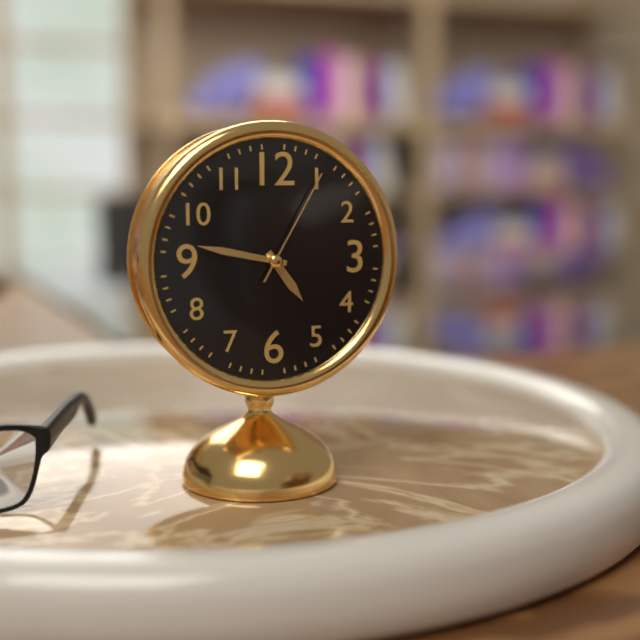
4h47m05s
